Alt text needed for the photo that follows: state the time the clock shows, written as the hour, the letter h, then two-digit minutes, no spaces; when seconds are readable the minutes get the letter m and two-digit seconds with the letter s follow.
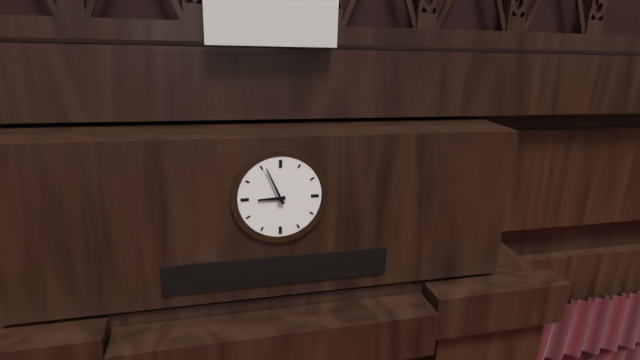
8h56
